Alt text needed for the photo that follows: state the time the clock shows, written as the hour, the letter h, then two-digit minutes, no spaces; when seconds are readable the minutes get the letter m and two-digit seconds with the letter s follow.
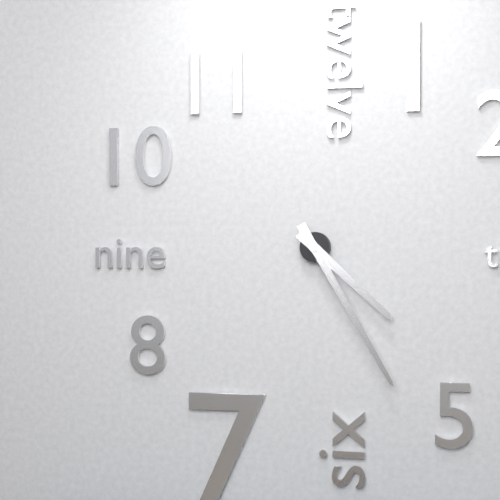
4h25
